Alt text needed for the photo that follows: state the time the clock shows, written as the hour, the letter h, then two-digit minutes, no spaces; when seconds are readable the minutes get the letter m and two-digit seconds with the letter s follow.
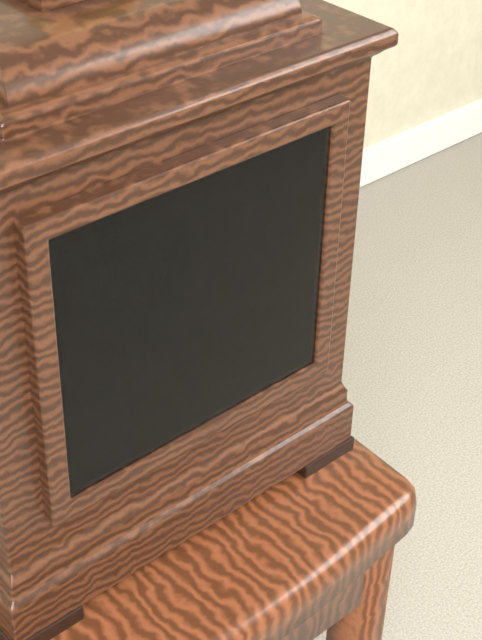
4h36
